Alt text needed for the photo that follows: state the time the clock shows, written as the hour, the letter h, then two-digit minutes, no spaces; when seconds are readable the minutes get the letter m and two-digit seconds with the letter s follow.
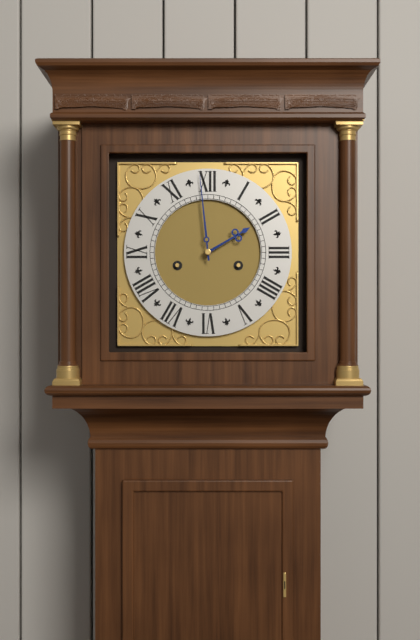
1h59
